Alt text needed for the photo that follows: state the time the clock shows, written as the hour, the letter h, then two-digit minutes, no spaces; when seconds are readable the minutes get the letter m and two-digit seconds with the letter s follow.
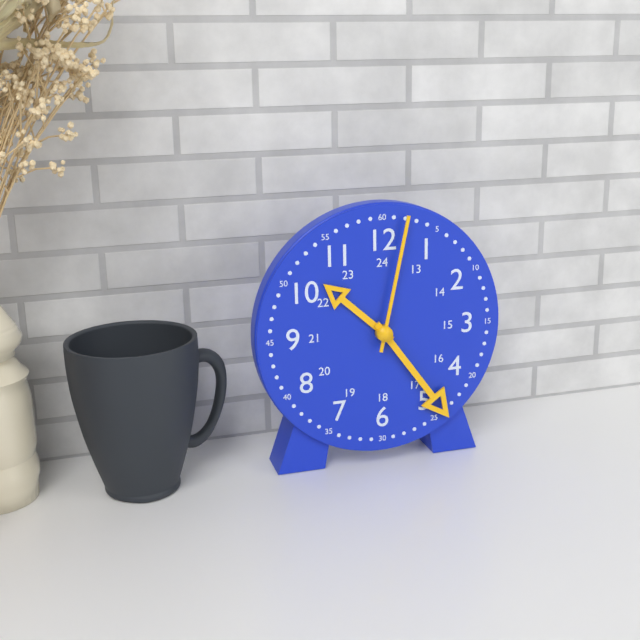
10h24m02s
